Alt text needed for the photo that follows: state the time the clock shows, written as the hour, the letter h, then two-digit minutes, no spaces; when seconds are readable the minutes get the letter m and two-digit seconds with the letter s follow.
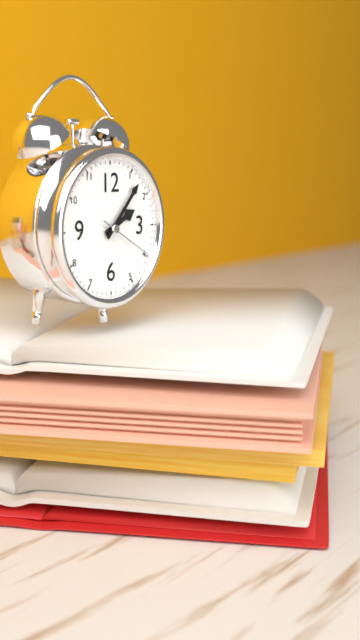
2h07m20s
